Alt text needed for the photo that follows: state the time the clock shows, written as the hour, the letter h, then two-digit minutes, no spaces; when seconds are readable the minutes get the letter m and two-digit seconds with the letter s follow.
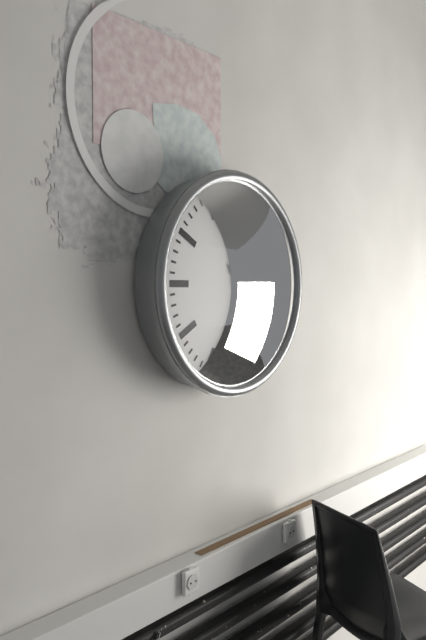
11h25
